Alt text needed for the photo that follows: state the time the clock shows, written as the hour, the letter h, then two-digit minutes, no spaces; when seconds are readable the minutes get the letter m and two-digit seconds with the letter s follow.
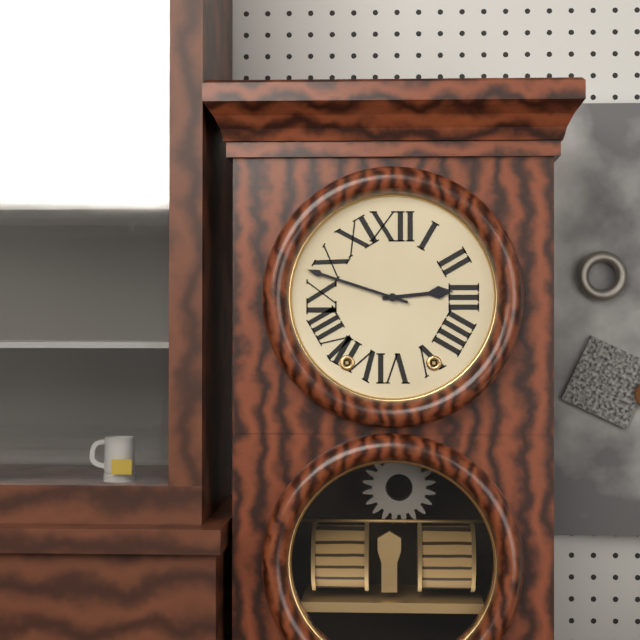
2h48
